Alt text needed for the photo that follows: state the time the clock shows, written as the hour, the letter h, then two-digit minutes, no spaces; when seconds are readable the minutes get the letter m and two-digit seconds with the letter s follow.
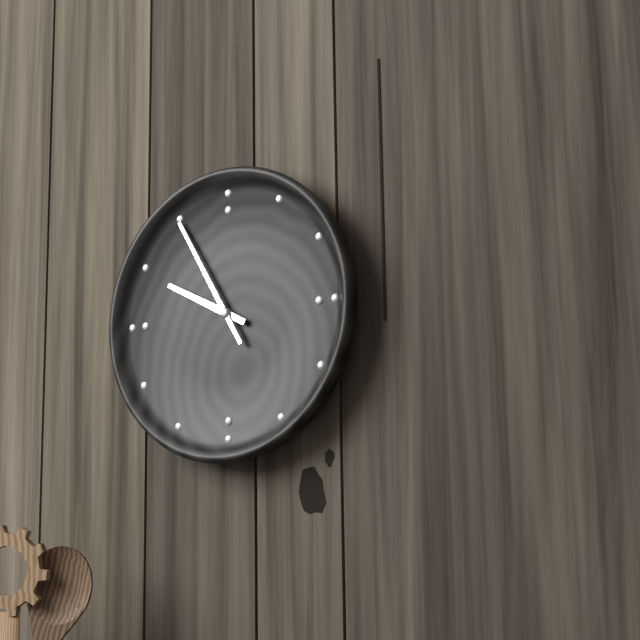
9h55
